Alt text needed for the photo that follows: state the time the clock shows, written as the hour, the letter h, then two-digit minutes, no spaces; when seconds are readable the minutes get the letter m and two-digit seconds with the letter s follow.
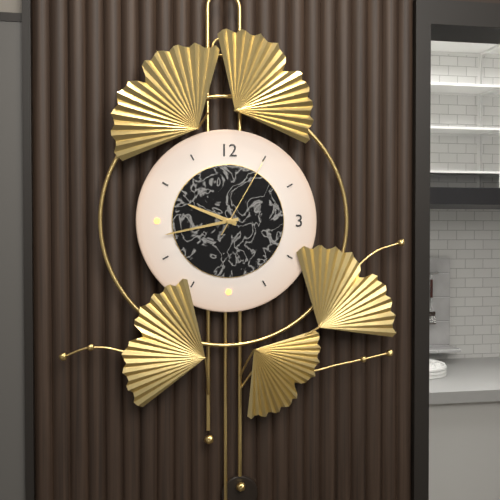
9h43m05s
